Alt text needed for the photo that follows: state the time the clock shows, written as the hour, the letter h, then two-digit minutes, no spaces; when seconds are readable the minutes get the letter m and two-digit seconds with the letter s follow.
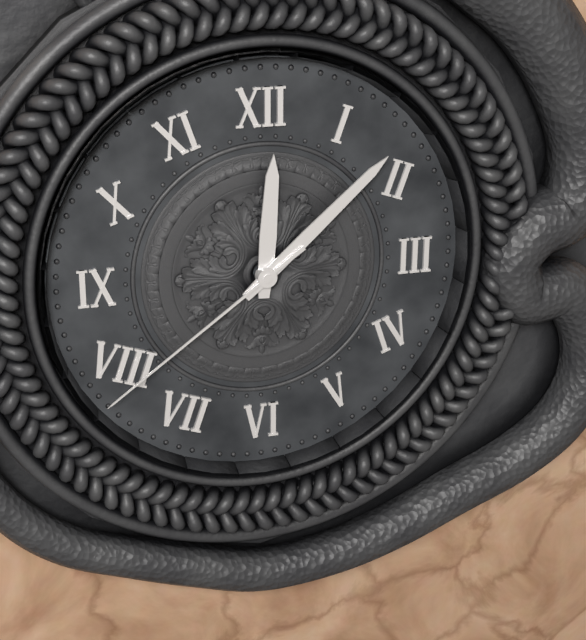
12h08m39s
